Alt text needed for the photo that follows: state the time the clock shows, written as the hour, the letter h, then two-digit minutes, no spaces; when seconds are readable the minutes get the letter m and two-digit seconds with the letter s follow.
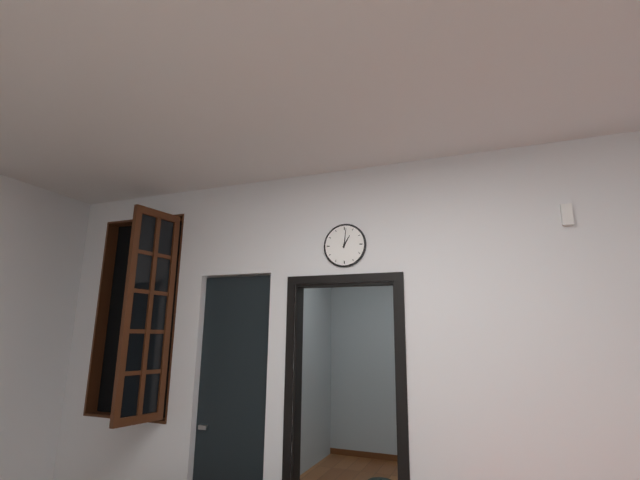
1h01
